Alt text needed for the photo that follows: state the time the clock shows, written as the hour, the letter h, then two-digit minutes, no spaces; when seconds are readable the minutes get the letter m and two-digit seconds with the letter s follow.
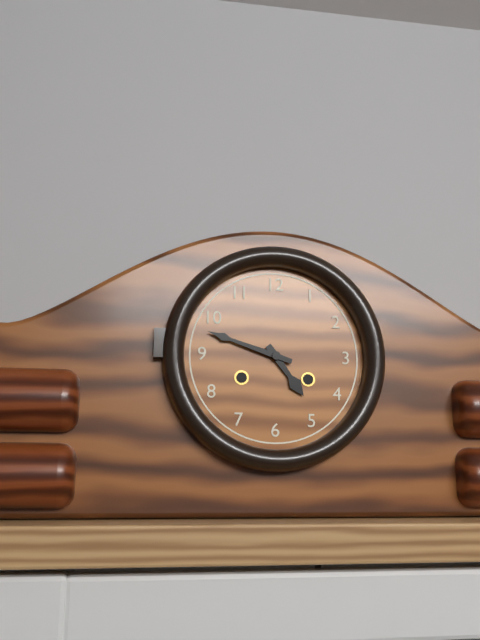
4h48
